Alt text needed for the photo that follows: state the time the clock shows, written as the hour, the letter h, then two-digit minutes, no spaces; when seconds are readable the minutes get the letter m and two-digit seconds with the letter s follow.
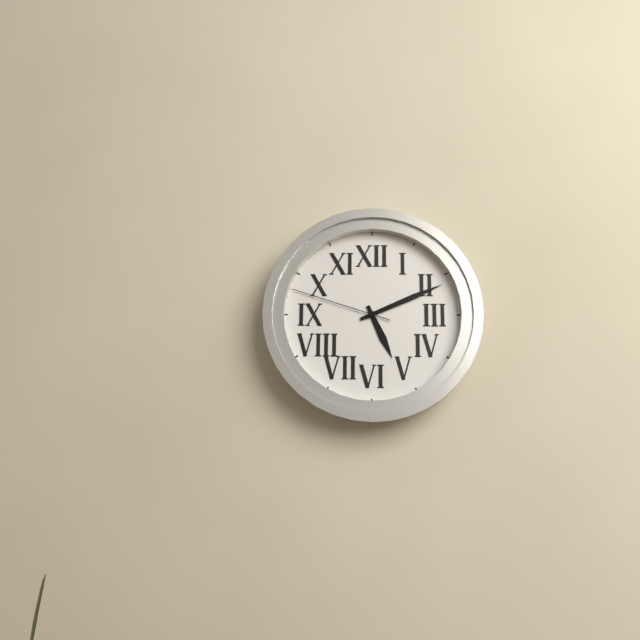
5h11m48s
